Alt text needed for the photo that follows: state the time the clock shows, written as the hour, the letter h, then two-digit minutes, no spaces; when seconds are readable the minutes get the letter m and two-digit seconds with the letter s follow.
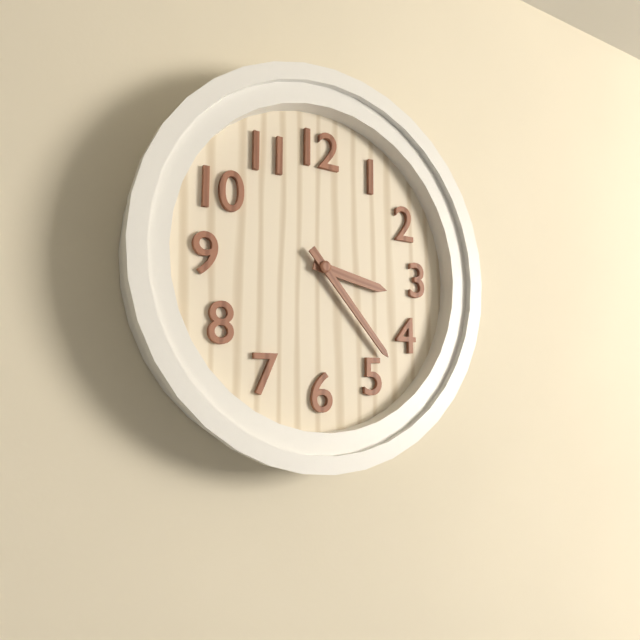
3h23
